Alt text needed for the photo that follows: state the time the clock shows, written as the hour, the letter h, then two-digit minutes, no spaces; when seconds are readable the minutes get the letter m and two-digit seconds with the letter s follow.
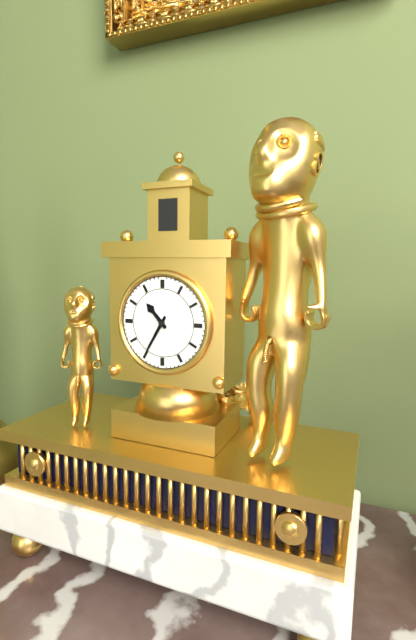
10h35
